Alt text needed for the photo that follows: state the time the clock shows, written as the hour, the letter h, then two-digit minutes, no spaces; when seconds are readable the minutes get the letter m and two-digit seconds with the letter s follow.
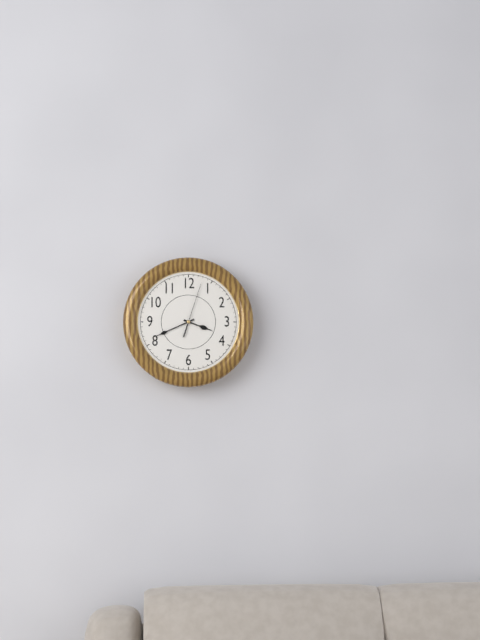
3h41m03s
